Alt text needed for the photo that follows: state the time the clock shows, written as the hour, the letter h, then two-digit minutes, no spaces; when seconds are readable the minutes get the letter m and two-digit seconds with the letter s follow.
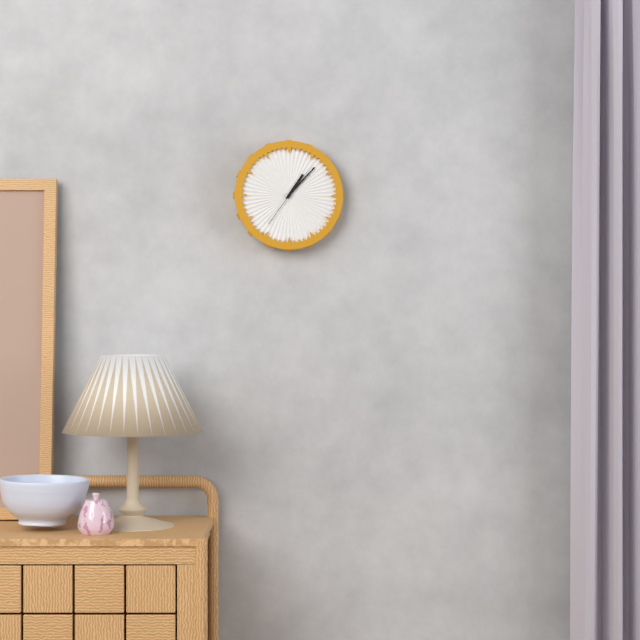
1h07
